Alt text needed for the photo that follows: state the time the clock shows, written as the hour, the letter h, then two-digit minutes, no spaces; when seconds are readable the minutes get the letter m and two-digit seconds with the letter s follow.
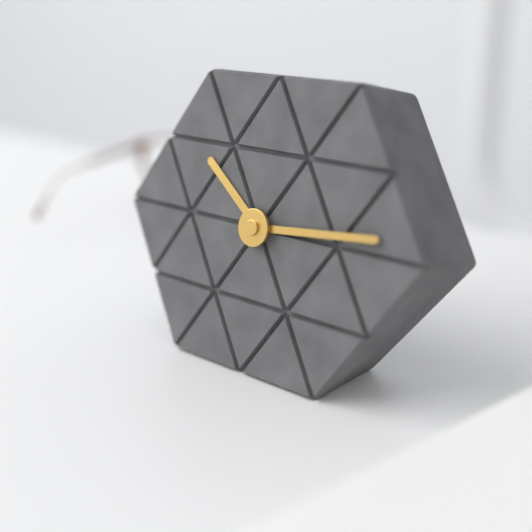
10h14
